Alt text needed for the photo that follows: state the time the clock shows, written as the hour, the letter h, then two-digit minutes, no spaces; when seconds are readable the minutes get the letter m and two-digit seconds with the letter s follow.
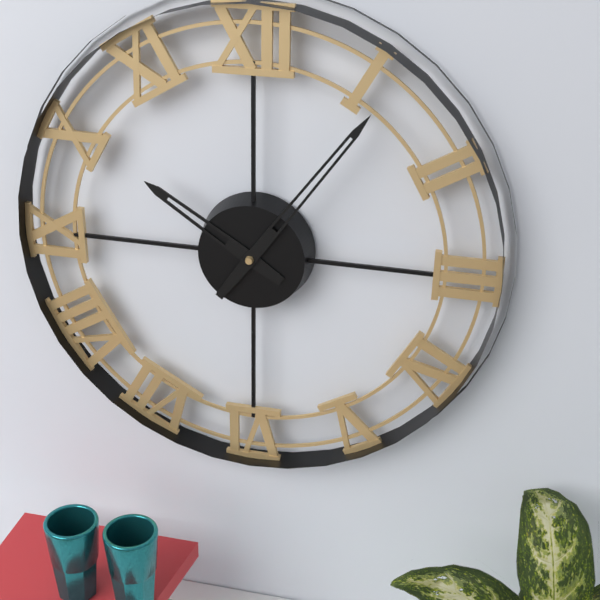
10h06
